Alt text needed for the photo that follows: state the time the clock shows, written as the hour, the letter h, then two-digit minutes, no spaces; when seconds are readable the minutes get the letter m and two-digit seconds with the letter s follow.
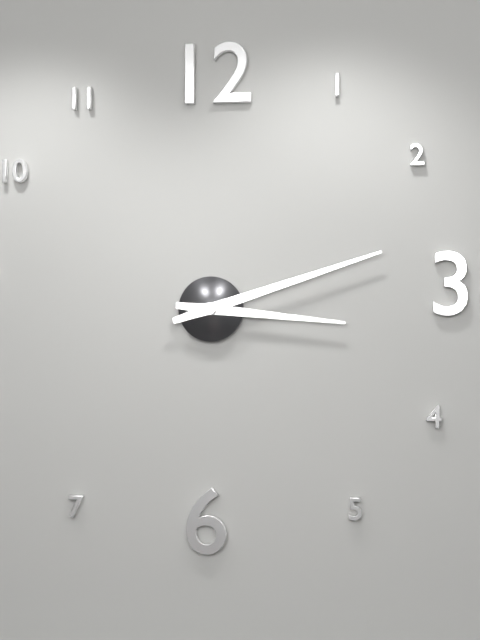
3h12
